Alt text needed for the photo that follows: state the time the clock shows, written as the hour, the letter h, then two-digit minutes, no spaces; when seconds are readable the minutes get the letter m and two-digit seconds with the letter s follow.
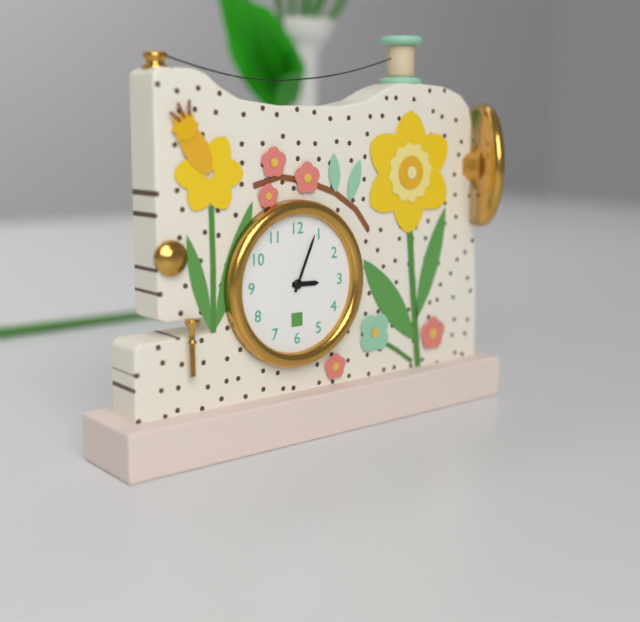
3h04
